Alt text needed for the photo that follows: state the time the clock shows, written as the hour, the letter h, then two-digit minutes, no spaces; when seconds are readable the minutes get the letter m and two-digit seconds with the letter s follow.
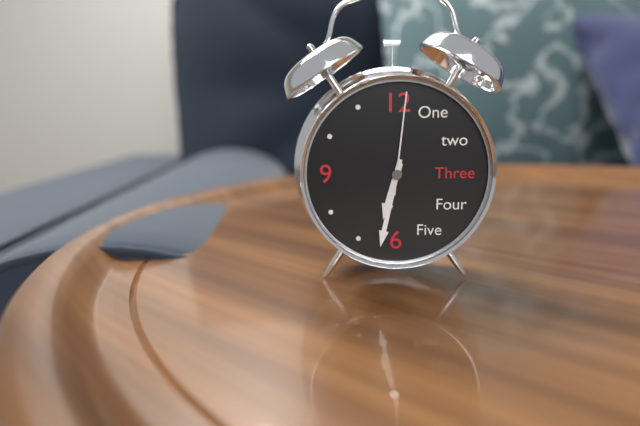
6h32m01s
